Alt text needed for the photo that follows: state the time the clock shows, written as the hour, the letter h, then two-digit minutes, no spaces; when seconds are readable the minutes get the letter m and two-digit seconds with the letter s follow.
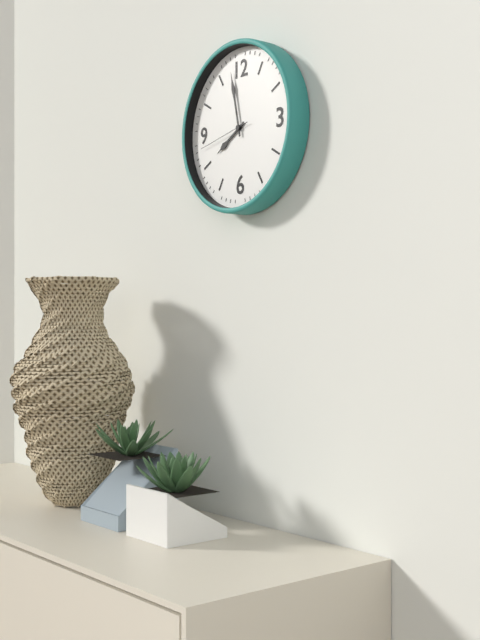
7h58m43s
